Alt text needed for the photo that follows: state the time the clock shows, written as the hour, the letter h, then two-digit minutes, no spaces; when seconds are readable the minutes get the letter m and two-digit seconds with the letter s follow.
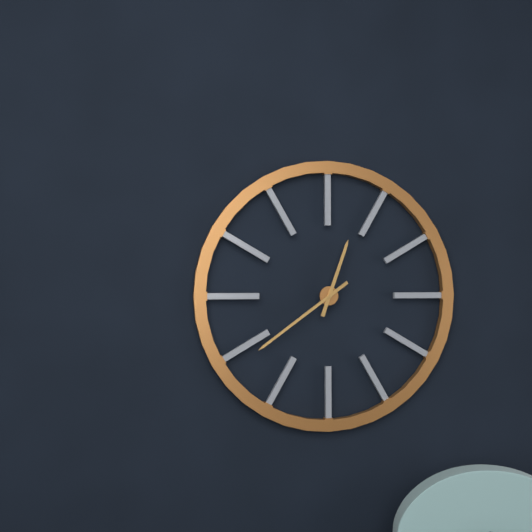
12h39
